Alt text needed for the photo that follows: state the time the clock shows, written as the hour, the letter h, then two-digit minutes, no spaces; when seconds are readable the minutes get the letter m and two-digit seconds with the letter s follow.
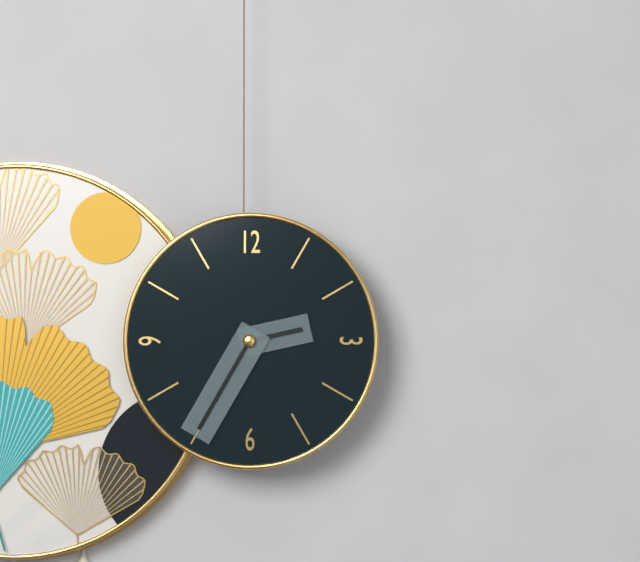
2h35
